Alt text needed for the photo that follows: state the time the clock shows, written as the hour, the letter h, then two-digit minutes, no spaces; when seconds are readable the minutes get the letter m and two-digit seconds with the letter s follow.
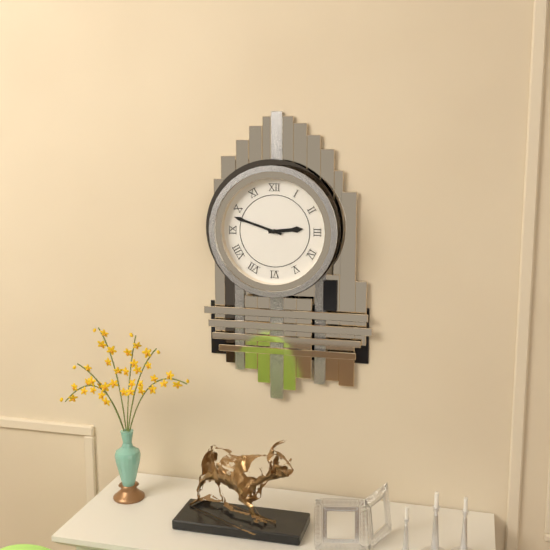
2h48
